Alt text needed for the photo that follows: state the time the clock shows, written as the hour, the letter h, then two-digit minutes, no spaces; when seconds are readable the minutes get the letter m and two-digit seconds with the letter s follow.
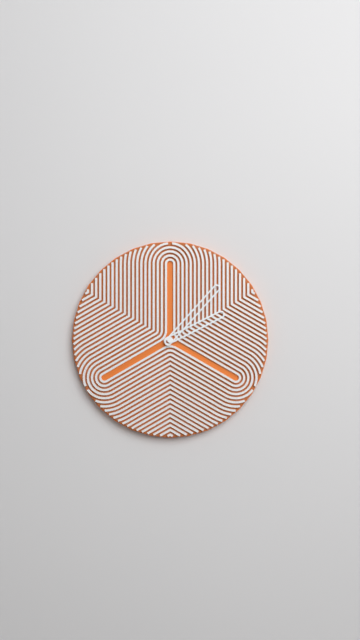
2h07
